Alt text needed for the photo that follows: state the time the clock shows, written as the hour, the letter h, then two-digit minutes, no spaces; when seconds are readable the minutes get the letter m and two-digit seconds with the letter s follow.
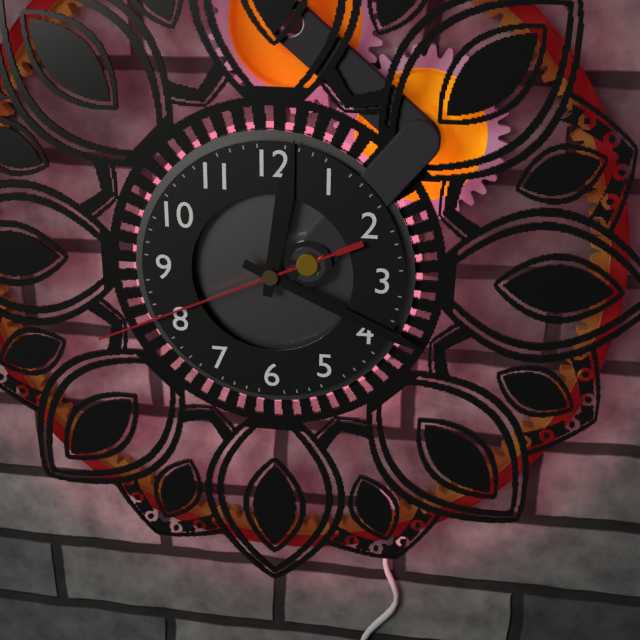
12h19m41s
